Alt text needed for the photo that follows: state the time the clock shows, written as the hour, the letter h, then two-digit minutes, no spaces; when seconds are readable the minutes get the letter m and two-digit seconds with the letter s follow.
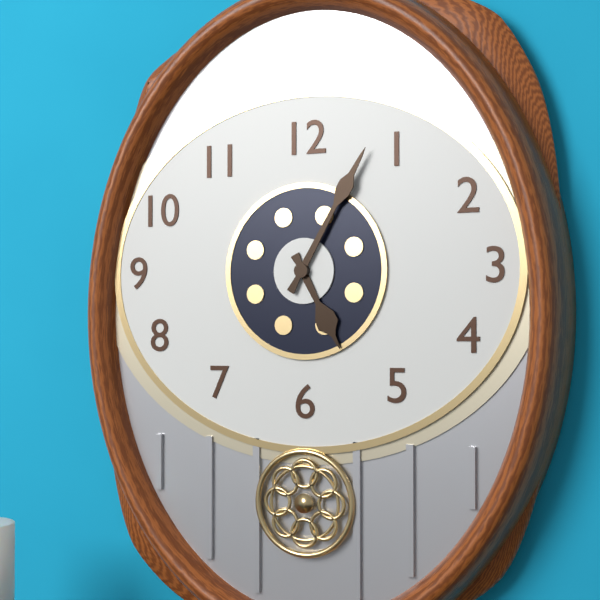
5h05
